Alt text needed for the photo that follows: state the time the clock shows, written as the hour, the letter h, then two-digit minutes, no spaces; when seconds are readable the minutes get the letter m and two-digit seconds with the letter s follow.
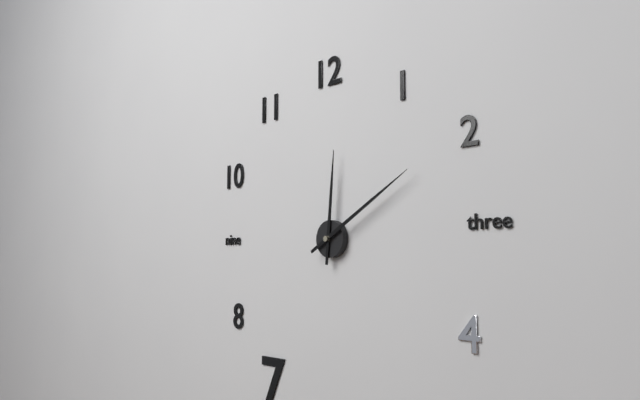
12h10
